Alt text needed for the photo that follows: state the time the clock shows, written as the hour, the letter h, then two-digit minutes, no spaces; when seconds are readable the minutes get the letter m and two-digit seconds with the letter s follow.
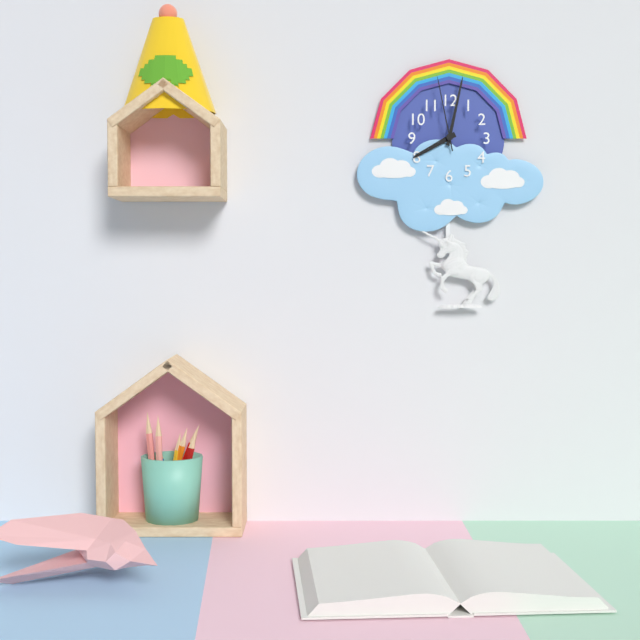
8h02m58s
